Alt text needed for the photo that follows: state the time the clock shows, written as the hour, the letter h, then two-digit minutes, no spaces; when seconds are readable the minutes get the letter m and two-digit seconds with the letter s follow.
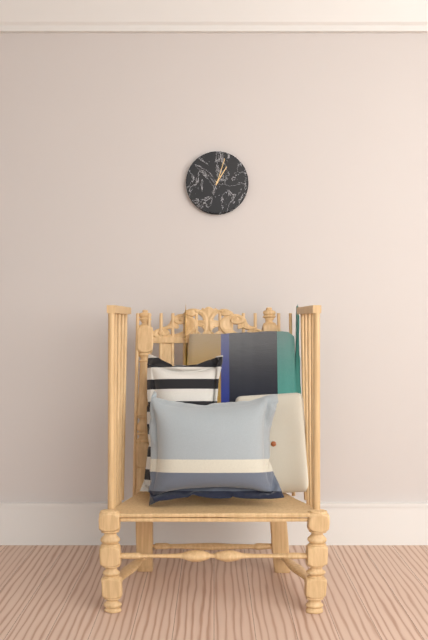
1h03
